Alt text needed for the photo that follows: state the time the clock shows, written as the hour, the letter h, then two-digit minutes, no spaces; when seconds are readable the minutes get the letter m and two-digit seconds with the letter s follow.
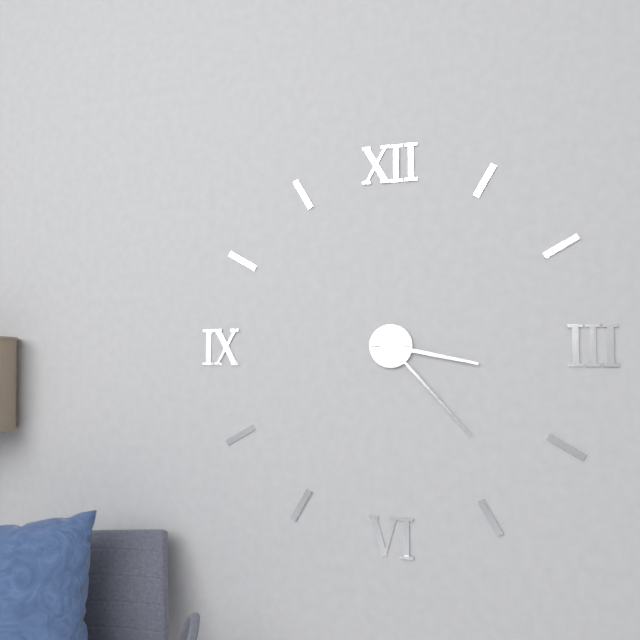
3h23
